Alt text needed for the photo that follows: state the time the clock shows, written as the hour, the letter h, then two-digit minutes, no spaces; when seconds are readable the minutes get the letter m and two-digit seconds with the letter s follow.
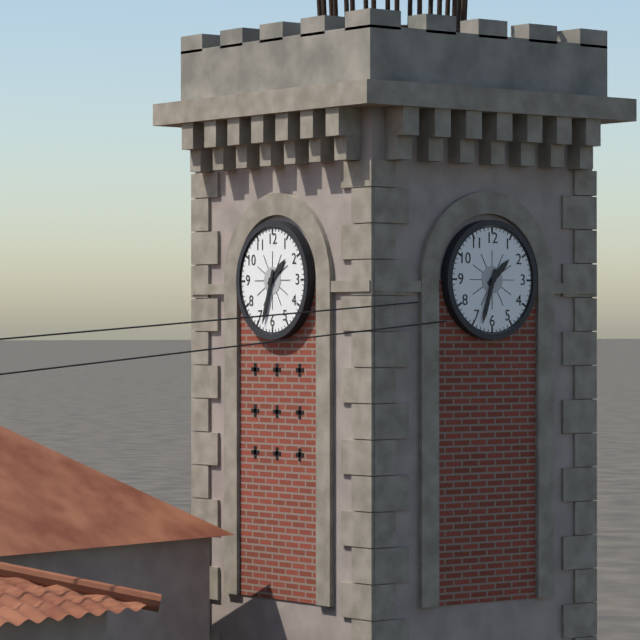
1h33
